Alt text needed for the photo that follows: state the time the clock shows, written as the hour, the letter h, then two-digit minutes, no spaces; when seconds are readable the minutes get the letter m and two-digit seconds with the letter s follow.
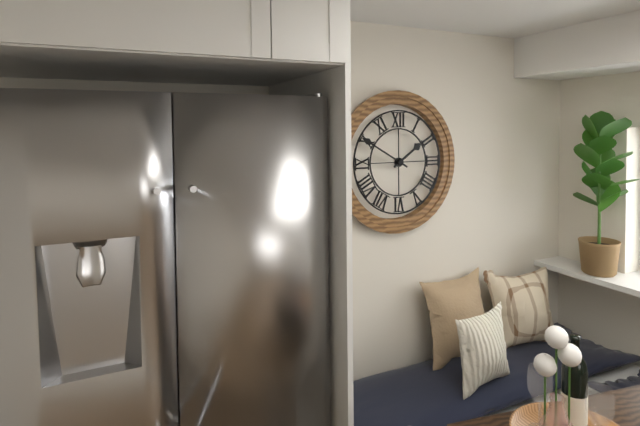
1h50
